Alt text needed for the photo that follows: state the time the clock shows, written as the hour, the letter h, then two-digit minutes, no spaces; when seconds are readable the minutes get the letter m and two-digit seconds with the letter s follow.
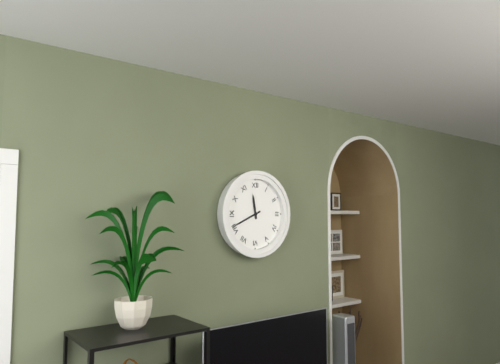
11h41
